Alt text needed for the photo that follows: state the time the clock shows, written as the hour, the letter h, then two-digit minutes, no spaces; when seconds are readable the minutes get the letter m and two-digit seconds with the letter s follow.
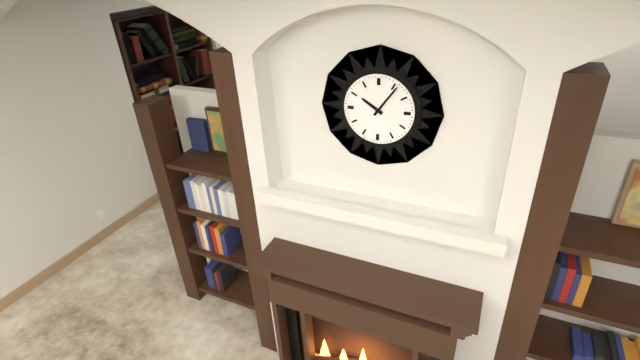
10h06
